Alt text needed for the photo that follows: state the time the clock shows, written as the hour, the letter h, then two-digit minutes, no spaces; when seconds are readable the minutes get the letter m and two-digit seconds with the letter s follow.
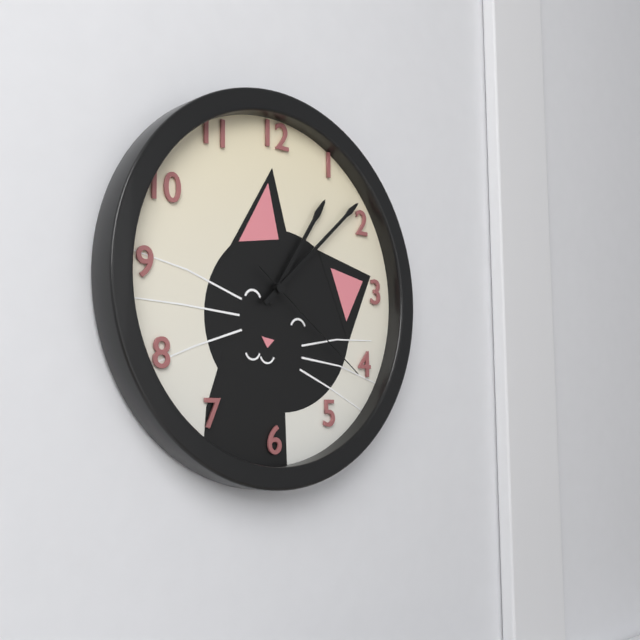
1h08m21s
